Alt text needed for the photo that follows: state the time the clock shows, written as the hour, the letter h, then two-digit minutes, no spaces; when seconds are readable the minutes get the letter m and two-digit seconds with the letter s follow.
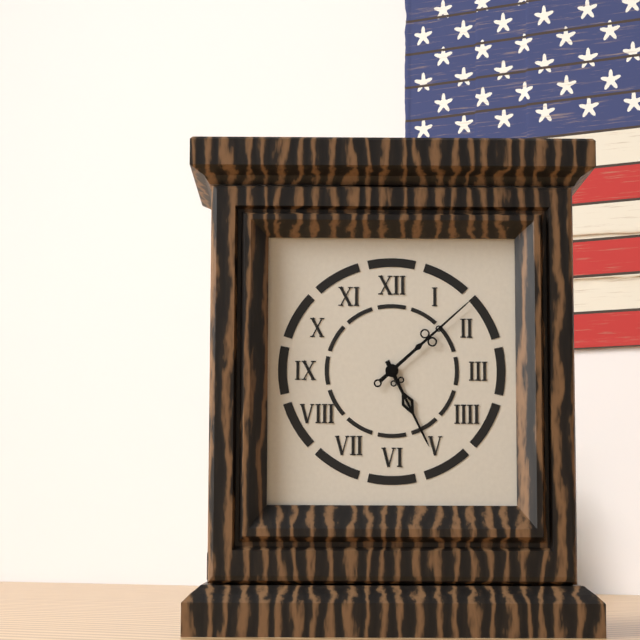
5h08
